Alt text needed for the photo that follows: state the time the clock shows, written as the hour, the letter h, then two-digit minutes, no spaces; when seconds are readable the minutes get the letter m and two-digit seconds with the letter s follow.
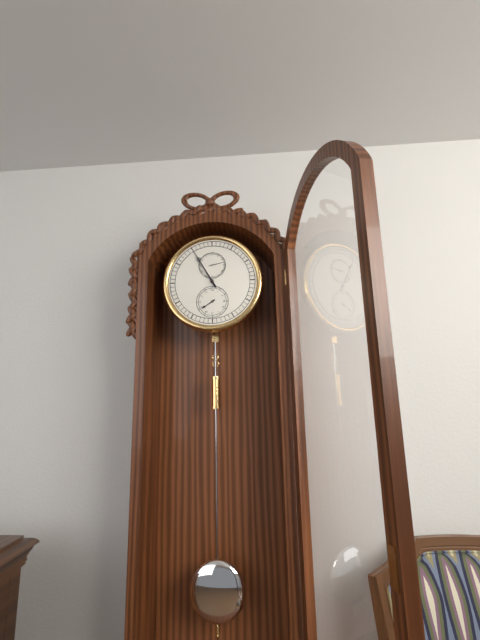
7h55
